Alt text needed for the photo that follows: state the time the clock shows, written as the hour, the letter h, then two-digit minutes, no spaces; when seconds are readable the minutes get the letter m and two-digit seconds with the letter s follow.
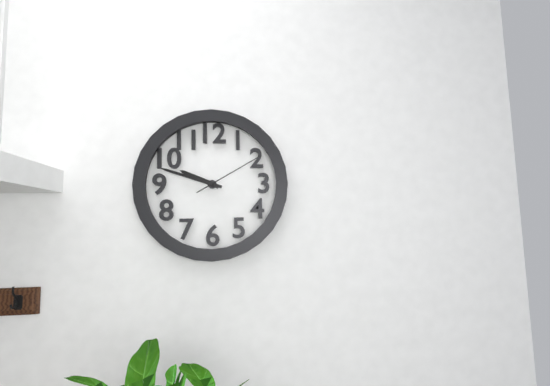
9h48m10s
